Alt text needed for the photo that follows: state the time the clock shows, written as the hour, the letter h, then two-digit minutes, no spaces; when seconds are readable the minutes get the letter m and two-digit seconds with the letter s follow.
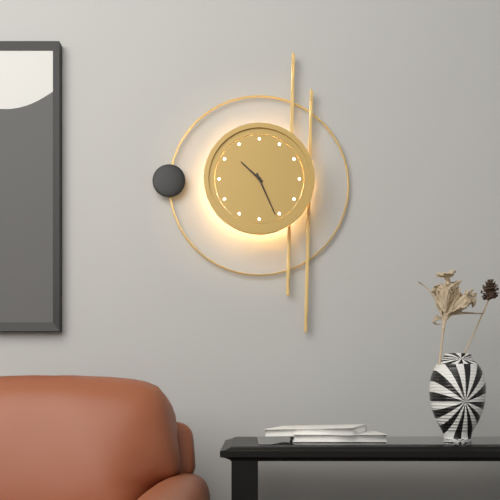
10h26
